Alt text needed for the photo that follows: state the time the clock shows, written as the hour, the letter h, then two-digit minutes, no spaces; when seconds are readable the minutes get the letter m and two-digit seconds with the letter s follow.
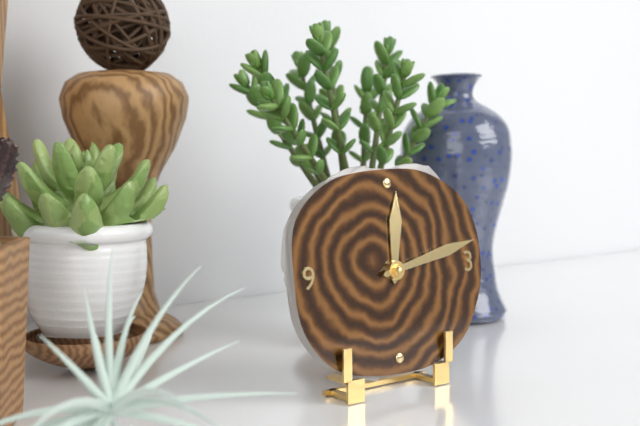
12h13
